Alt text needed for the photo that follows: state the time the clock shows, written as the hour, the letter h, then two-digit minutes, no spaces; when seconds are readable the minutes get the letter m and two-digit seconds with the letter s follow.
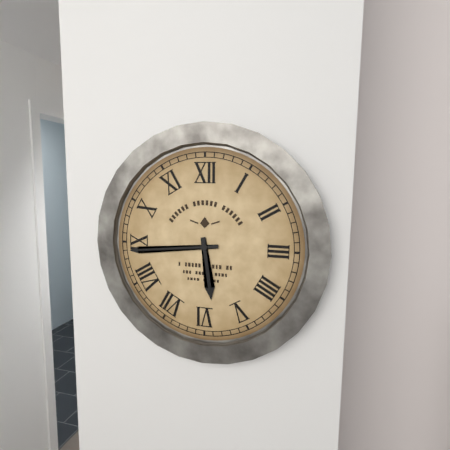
5h44
